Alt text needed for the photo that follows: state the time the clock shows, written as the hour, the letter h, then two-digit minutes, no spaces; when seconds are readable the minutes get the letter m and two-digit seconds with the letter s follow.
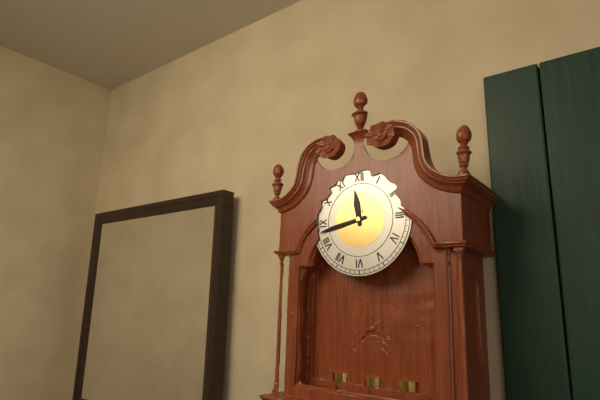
11h43
